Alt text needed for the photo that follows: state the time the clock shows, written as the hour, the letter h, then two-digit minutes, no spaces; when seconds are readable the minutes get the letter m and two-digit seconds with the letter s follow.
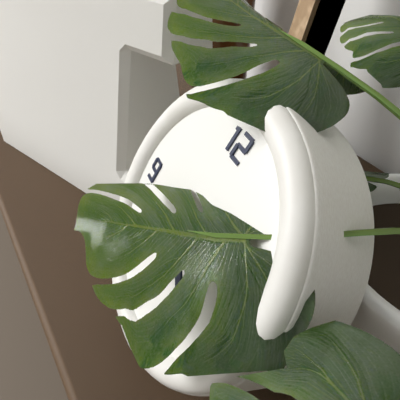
3h21
